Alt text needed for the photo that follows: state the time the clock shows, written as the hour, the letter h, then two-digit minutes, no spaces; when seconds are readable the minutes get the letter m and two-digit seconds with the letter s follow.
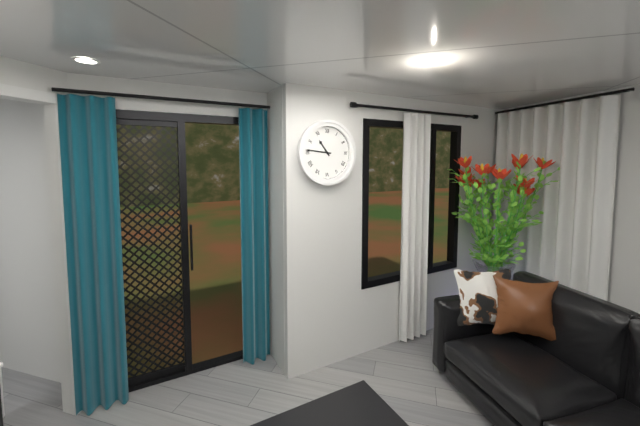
10h46
